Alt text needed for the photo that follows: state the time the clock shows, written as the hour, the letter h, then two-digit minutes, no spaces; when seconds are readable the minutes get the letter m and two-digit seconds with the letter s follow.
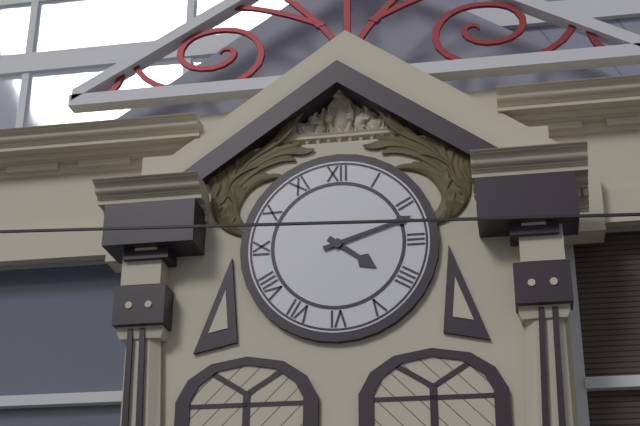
4h12
